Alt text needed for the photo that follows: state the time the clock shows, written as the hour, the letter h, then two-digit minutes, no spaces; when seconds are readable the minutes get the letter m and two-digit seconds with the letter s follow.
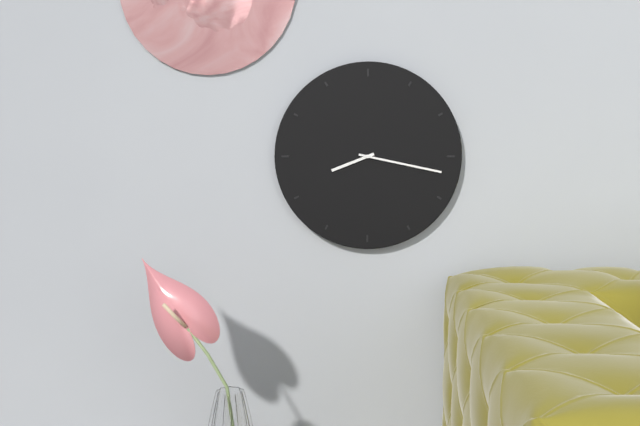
8h17
